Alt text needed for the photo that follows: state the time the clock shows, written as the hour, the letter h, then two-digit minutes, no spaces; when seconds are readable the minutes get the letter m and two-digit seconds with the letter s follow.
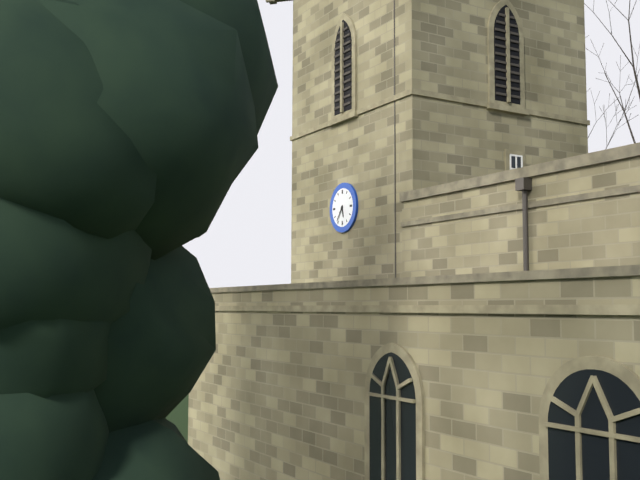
5h36
